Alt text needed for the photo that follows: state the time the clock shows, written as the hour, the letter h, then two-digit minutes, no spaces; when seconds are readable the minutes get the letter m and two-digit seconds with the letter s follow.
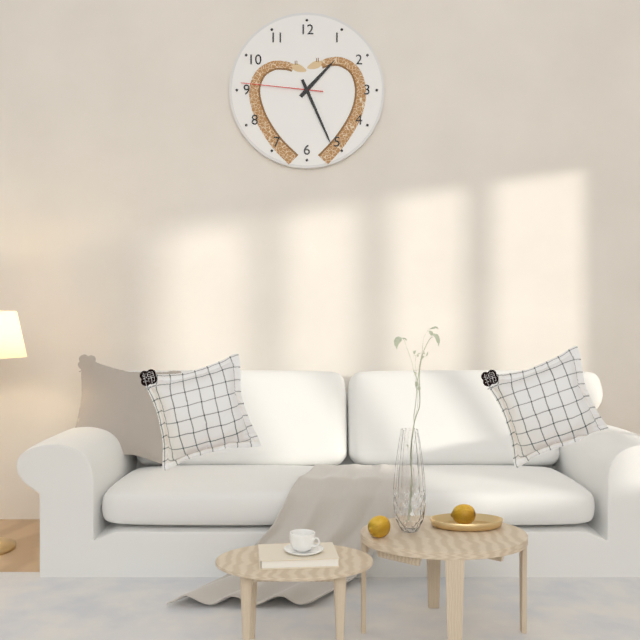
1h26m46s
